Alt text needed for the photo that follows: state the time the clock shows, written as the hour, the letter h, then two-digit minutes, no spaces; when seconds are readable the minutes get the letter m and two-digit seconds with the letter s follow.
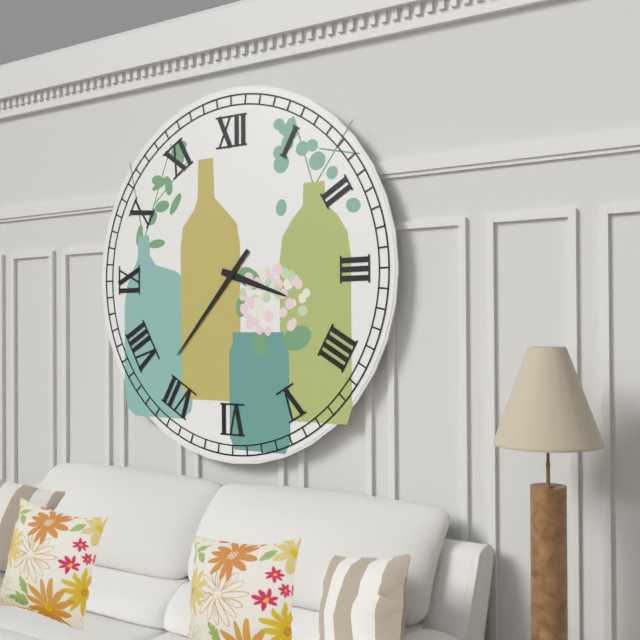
3h37
